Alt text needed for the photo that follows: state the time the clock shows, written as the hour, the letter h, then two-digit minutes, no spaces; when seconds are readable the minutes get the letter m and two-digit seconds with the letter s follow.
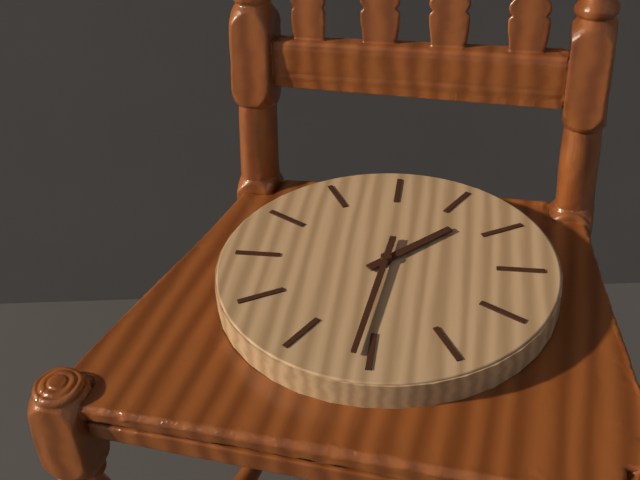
1h31
